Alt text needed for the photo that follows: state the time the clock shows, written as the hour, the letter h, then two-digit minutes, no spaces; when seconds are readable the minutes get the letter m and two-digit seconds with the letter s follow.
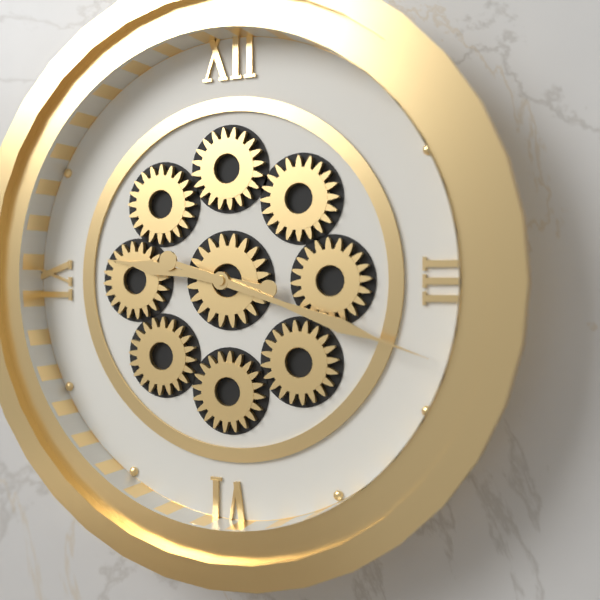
9h18
